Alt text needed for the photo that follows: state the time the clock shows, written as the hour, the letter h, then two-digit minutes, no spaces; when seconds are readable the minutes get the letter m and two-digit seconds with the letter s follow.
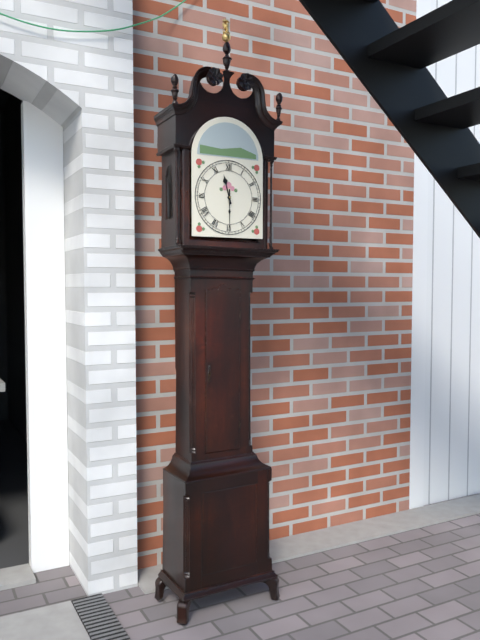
11h30
